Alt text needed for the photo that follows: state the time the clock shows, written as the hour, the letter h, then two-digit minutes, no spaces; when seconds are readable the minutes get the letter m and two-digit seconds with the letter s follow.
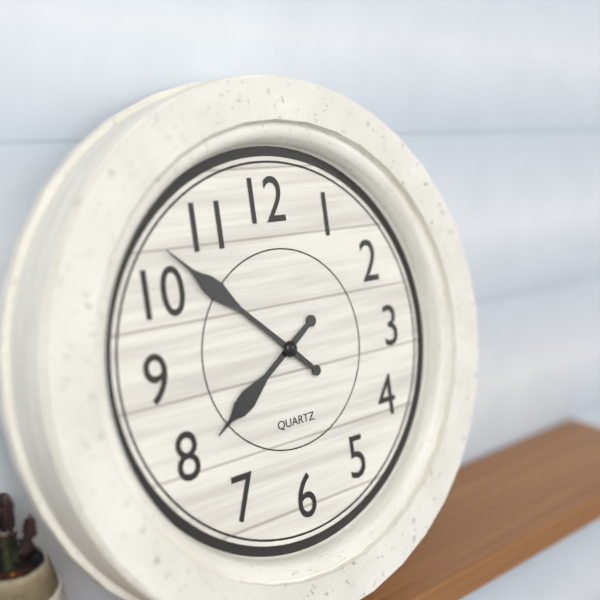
7h52
